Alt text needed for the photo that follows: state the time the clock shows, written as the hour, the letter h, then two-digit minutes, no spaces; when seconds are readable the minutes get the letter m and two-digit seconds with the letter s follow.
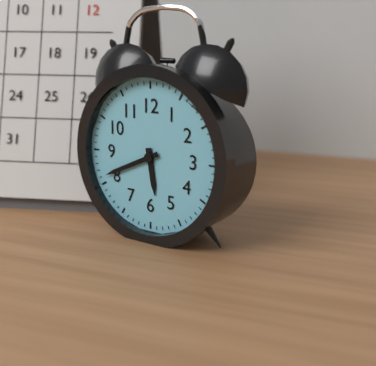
5h41
